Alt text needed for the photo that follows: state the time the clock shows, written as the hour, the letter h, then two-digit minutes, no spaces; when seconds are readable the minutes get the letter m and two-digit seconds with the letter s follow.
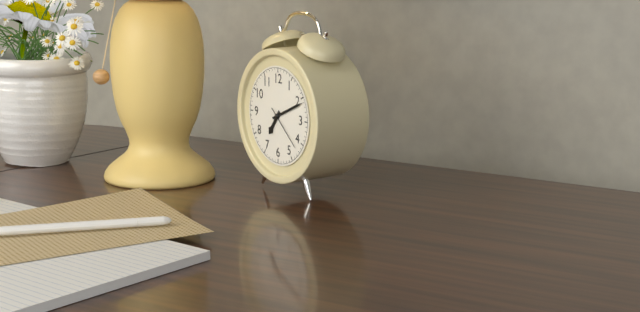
7h11
